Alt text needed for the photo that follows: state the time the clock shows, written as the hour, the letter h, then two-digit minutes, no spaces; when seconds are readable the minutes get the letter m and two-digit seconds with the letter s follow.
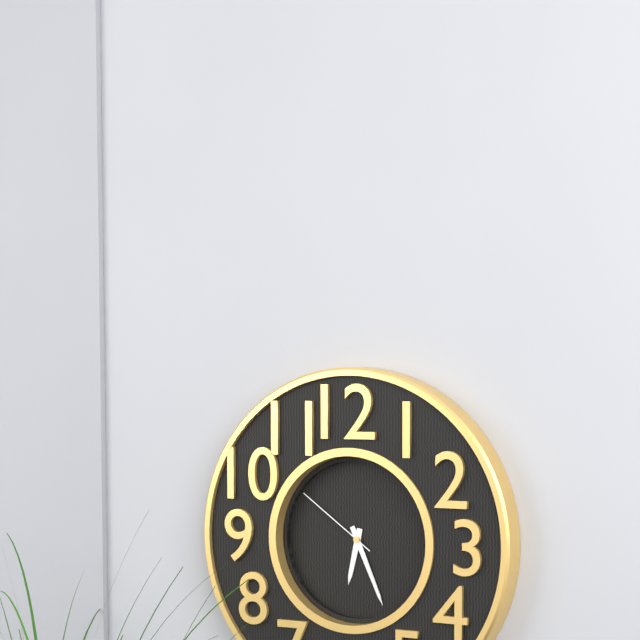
6h26m51s
